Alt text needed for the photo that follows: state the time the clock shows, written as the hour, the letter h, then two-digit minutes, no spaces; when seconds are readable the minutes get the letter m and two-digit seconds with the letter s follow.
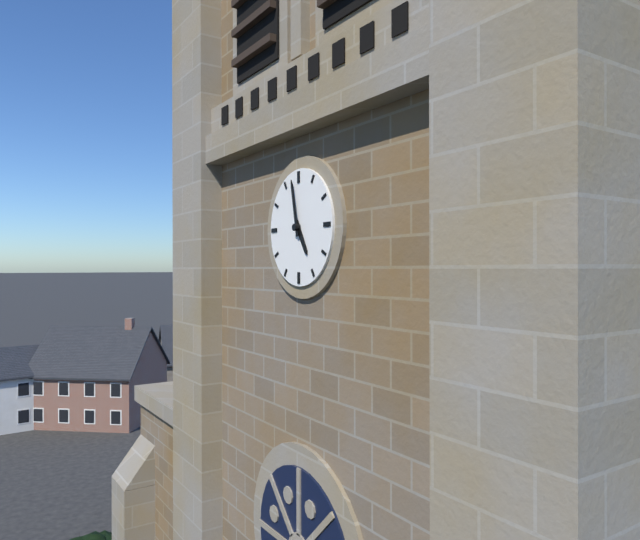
4h58
